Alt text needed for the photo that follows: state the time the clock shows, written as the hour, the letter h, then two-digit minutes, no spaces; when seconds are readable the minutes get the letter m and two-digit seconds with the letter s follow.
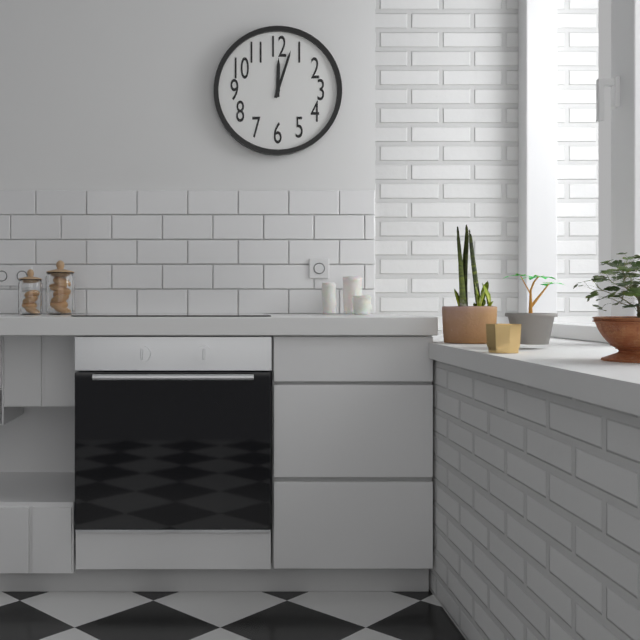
12h03
